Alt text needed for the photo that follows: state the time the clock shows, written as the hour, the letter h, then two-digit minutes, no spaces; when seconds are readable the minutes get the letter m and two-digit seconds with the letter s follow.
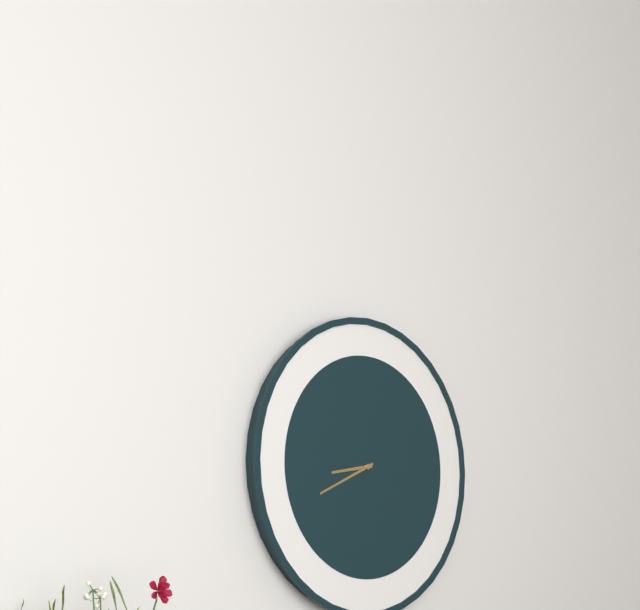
8h41
